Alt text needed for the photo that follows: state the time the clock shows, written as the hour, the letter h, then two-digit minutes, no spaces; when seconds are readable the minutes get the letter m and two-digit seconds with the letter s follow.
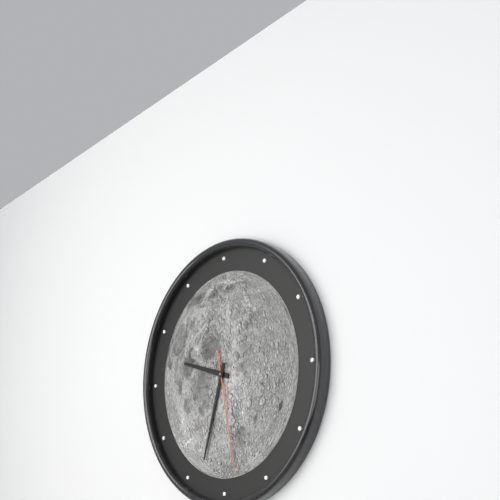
9h33m28s
